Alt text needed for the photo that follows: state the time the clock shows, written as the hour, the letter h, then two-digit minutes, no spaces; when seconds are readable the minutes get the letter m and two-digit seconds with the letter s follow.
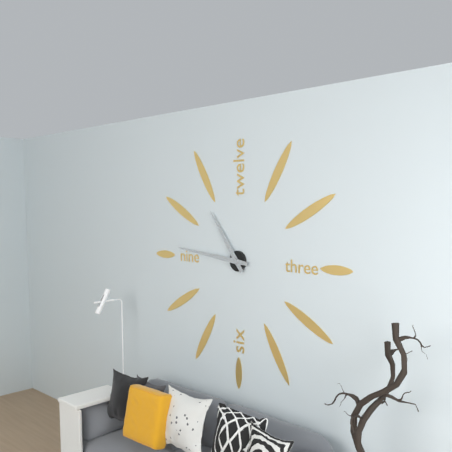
10h46
